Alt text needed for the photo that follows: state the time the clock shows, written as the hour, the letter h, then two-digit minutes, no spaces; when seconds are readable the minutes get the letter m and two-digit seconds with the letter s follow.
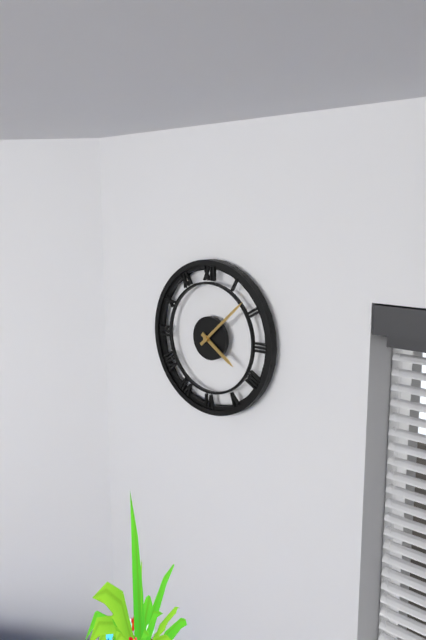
4h08
